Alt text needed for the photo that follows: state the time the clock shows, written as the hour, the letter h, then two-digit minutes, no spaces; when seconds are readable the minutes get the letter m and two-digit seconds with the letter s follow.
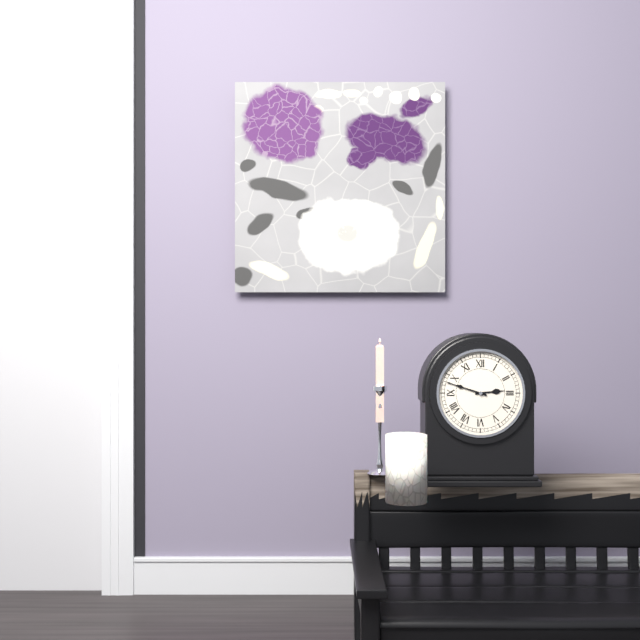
2h48
